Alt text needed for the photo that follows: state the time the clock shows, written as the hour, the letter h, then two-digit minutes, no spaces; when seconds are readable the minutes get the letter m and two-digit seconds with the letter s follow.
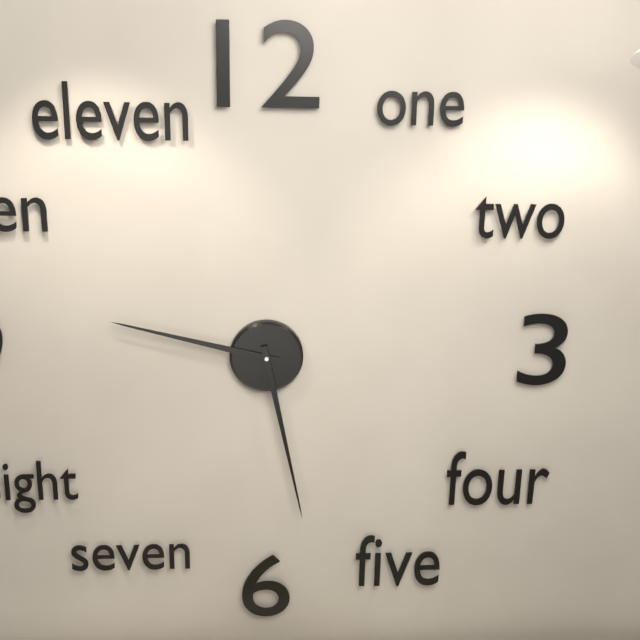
9h28
